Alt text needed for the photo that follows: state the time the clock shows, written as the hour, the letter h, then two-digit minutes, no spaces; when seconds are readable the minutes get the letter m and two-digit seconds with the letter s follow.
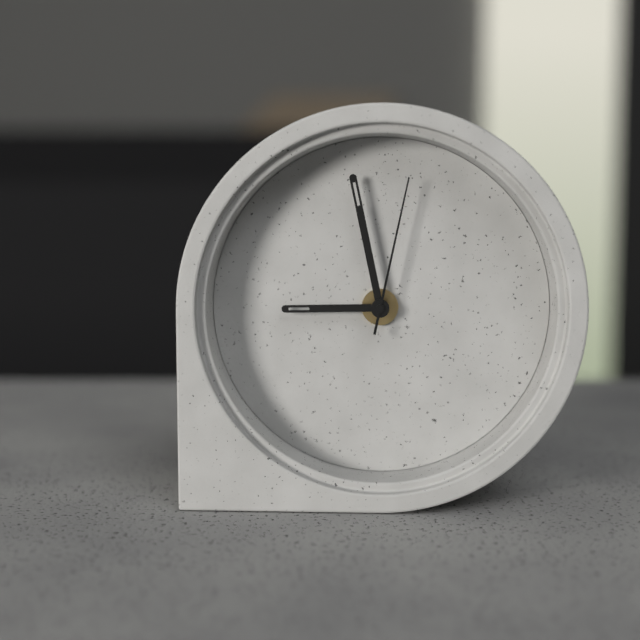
8h58m02s
